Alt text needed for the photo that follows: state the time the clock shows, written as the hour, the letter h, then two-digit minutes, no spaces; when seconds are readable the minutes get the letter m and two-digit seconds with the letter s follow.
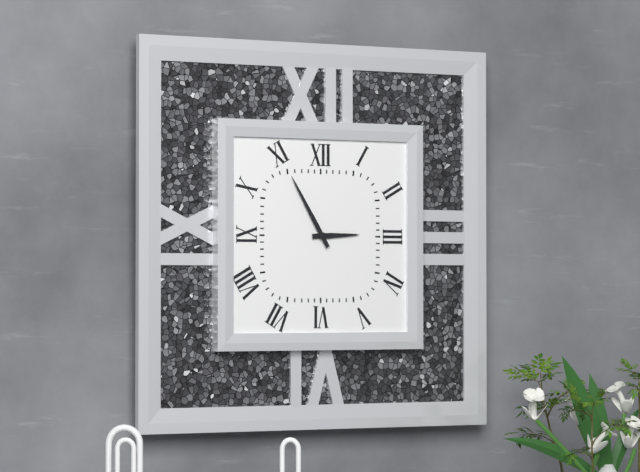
2h55
